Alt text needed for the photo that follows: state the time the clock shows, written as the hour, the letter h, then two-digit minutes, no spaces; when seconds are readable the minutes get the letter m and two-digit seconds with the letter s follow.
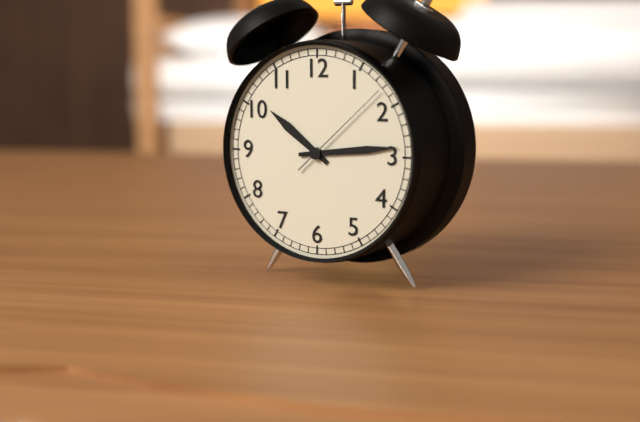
10h14m08s
